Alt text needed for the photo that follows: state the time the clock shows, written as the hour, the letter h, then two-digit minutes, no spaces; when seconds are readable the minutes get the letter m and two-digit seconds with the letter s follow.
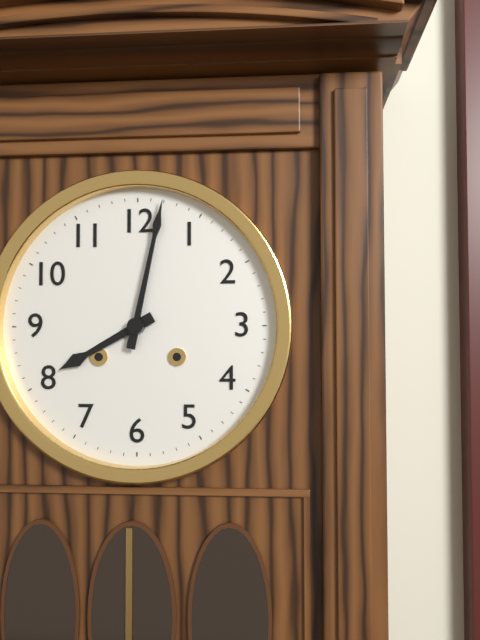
8h02
